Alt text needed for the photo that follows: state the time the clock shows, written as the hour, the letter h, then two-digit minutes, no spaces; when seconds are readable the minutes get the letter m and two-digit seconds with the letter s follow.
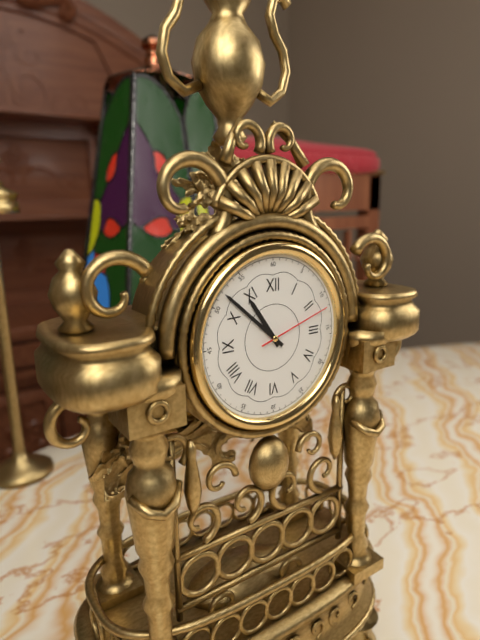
10h52m12s
